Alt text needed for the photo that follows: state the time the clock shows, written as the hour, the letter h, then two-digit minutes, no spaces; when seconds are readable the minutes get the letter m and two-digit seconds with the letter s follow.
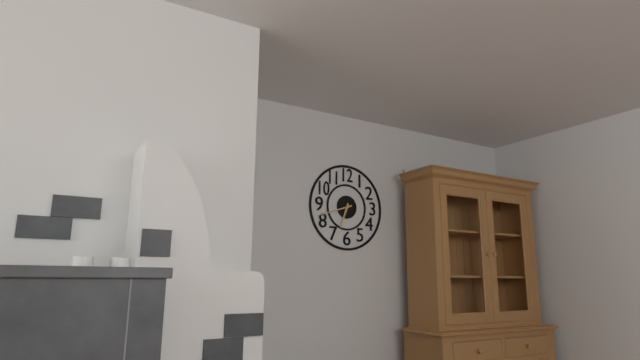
6h42
